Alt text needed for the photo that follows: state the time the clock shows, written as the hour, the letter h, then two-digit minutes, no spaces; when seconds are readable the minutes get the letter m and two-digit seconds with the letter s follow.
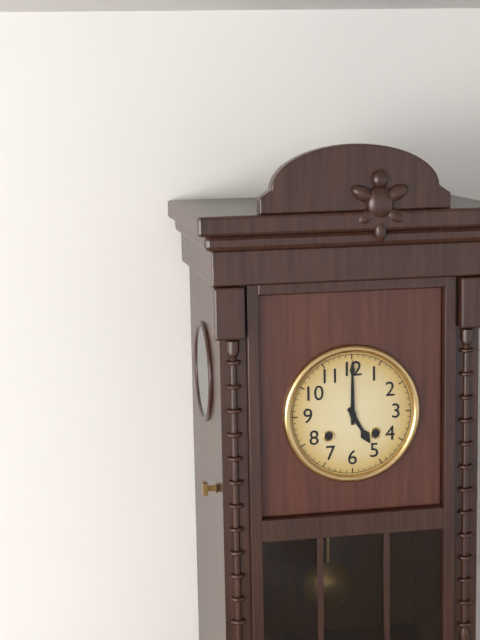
5h00
